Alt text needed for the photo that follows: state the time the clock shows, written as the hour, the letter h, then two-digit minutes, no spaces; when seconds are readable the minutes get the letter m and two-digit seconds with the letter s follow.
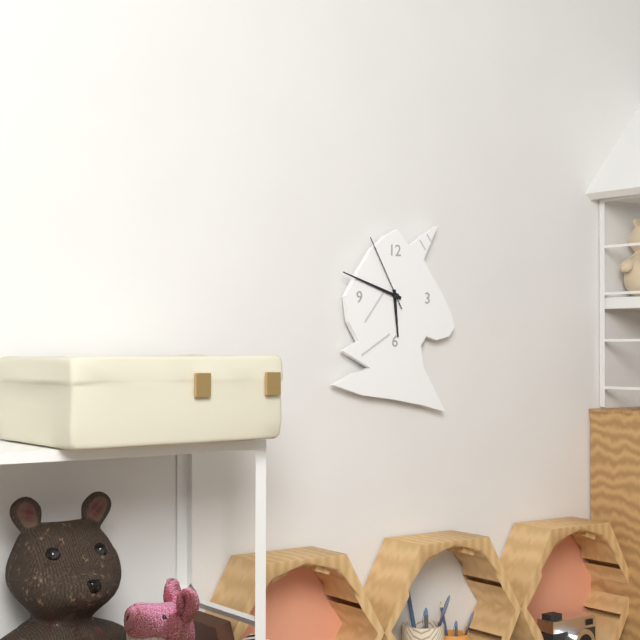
5h48m55s
